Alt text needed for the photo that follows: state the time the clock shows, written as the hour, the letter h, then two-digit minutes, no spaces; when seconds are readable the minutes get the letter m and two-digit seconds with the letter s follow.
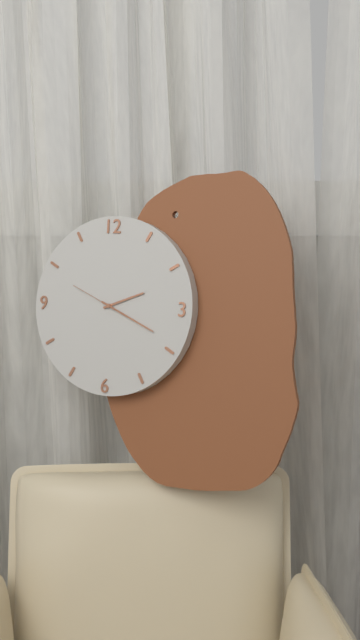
2h19m49s
